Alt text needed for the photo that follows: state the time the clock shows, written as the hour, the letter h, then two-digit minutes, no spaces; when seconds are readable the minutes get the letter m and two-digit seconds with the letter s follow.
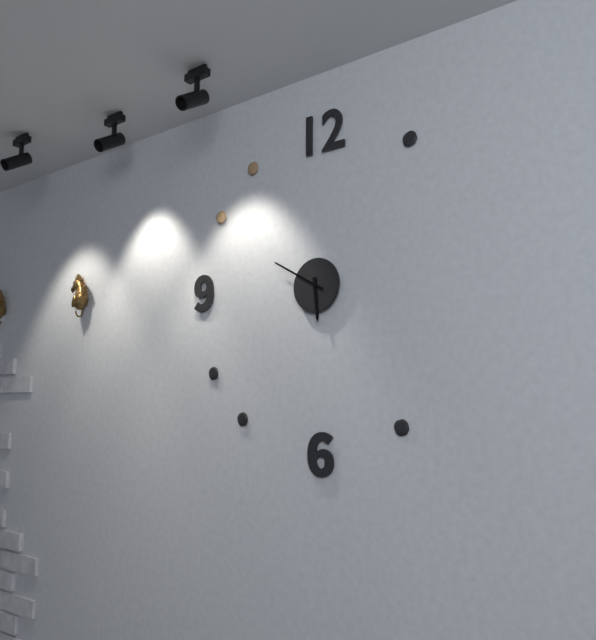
5h50
